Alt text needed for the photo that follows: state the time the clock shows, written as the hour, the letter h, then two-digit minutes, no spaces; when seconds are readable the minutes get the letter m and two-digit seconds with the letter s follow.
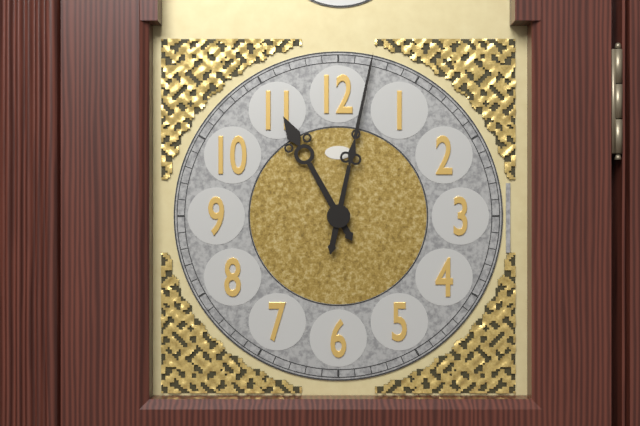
11h02
